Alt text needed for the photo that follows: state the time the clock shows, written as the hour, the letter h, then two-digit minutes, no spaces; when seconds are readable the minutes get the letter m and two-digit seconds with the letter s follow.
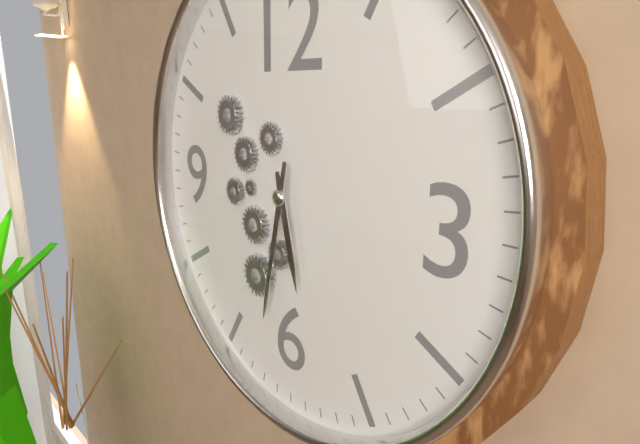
5h32
